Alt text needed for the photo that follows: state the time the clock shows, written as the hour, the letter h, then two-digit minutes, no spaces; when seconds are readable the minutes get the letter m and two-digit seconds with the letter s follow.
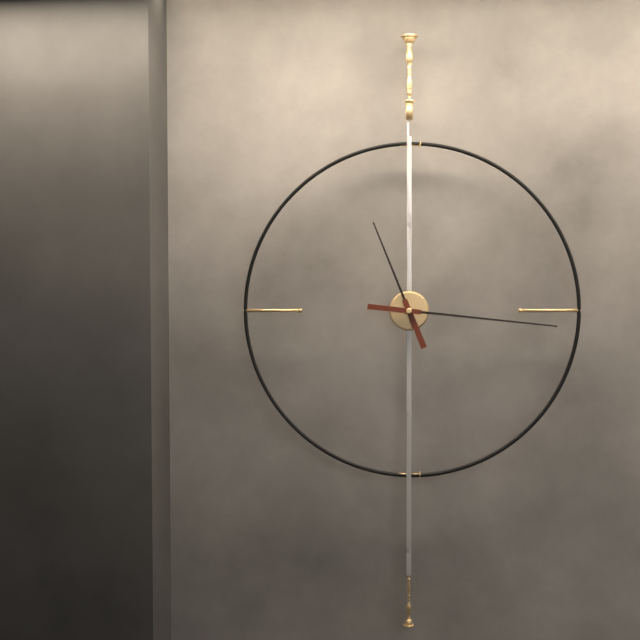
11h16
